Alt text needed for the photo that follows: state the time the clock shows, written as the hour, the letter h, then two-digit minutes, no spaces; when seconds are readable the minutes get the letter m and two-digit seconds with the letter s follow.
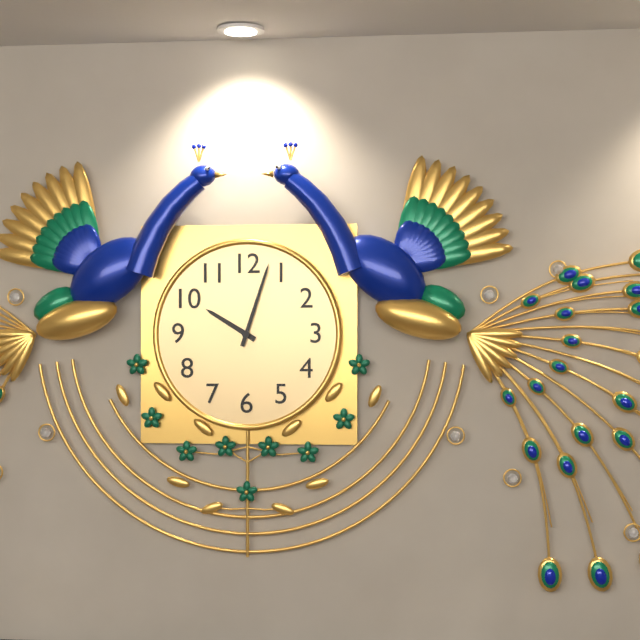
10h03
